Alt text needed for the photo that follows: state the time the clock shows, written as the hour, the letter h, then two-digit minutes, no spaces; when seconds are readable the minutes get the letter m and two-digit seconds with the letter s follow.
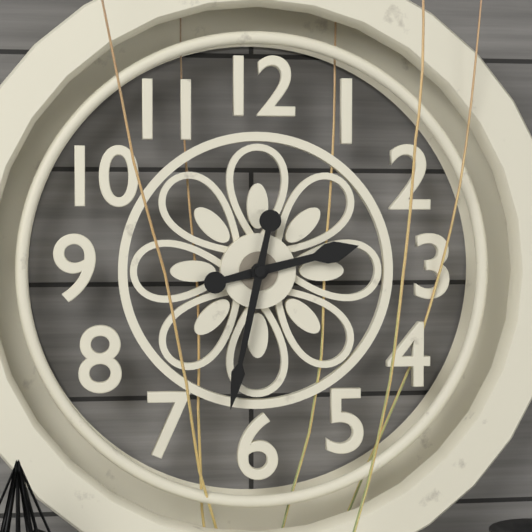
2h32
